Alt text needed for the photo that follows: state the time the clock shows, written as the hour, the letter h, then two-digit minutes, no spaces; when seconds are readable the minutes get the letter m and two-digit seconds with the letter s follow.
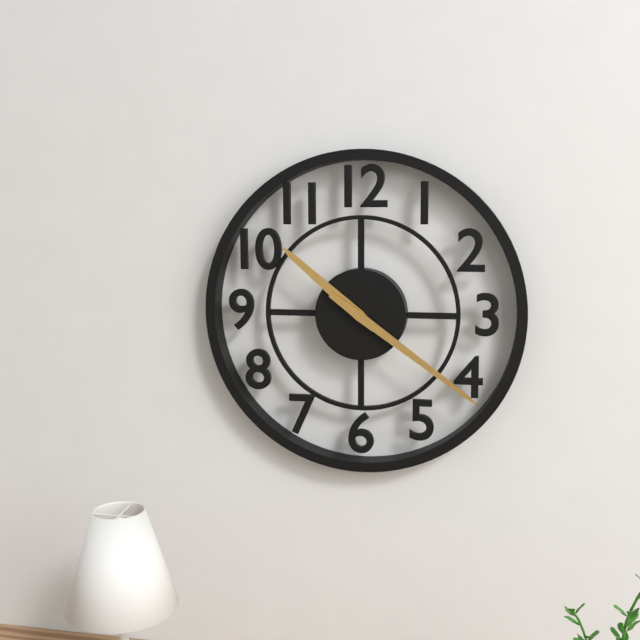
10h21
